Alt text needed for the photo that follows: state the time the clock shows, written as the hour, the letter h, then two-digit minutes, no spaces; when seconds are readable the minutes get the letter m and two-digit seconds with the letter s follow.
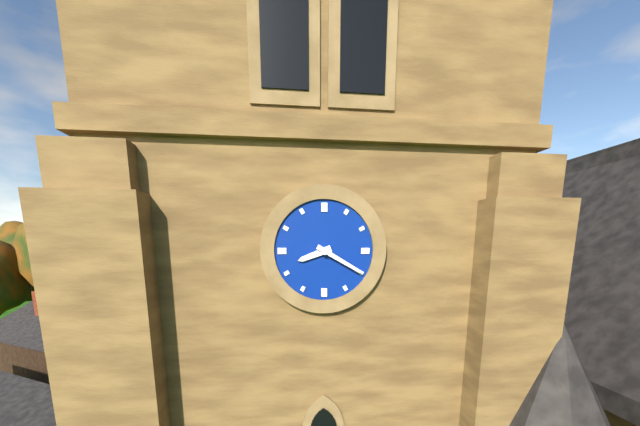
8h20
